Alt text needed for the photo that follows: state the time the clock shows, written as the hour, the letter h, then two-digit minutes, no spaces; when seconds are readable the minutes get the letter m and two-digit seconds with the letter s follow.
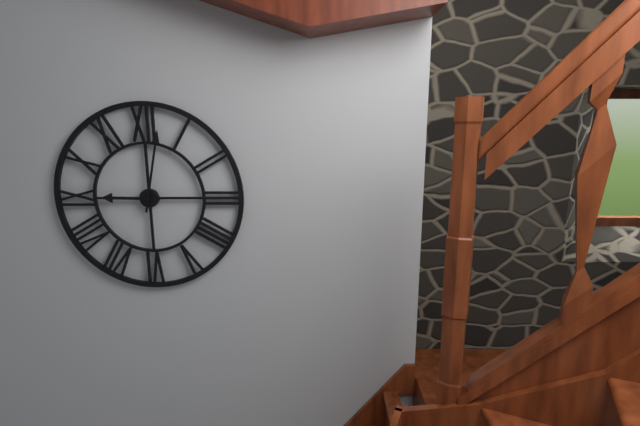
9h02
